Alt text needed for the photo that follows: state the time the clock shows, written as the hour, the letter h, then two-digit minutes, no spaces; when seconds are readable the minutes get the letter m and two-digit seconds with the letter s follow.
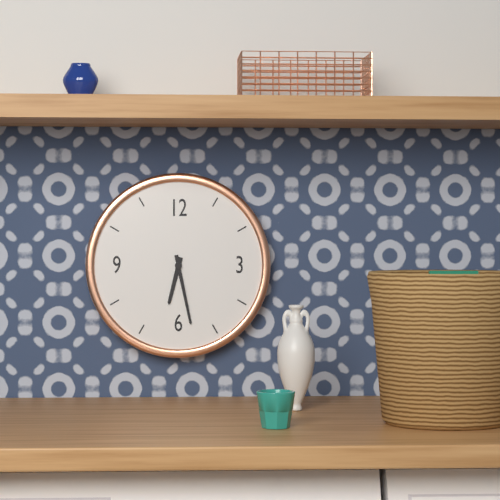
6h28
